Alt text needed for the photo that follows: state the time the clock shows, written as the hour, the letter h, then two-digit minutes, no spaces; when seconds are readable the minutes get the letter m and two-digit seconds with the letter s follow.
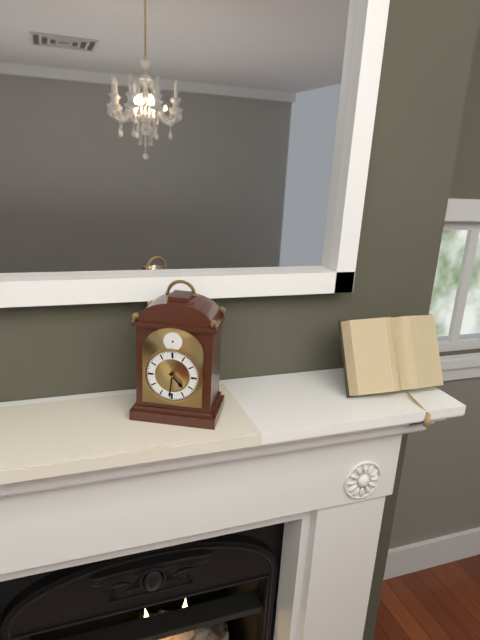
4h31
